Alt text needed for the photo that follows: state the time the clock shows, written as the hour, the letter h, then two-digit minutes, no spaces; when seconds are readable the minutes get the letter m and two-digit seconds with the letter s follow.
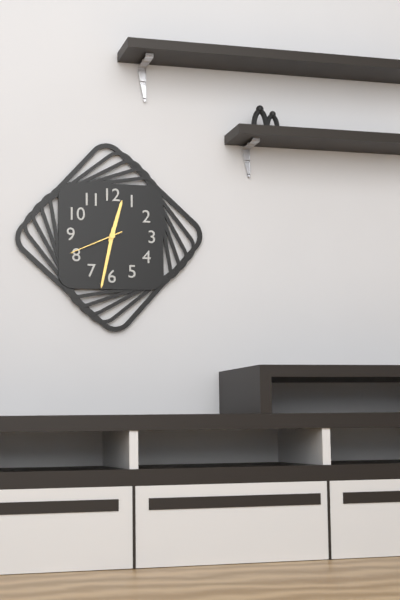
12h32m41s
